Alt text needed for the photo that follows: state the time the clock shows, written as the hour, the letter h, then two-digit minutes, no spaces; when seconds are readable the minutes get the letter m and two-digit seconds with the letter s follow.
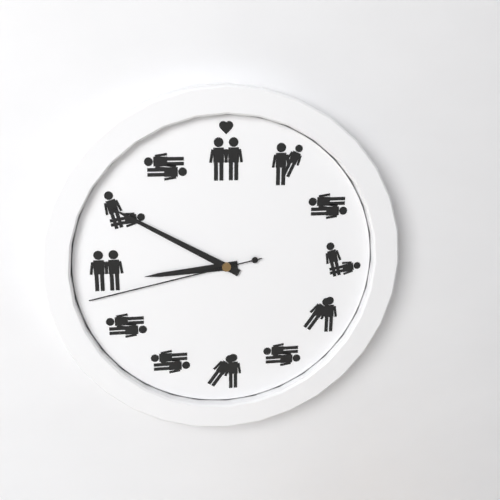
8h50m43s
